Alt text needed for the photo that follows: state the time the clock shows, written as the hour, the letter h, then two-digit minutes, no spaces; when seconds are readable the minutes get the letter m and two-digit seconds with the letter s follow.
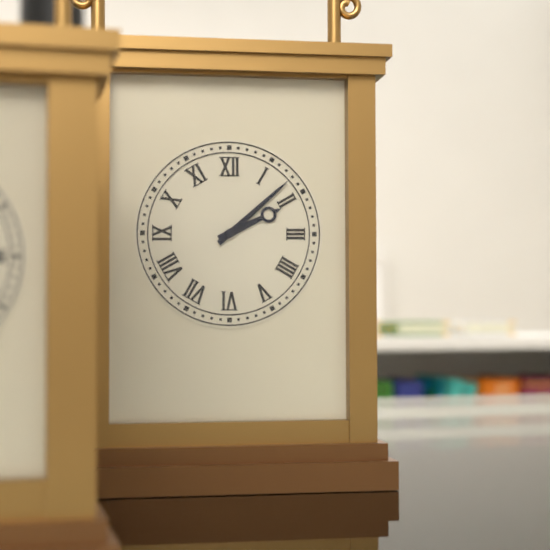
2h08
